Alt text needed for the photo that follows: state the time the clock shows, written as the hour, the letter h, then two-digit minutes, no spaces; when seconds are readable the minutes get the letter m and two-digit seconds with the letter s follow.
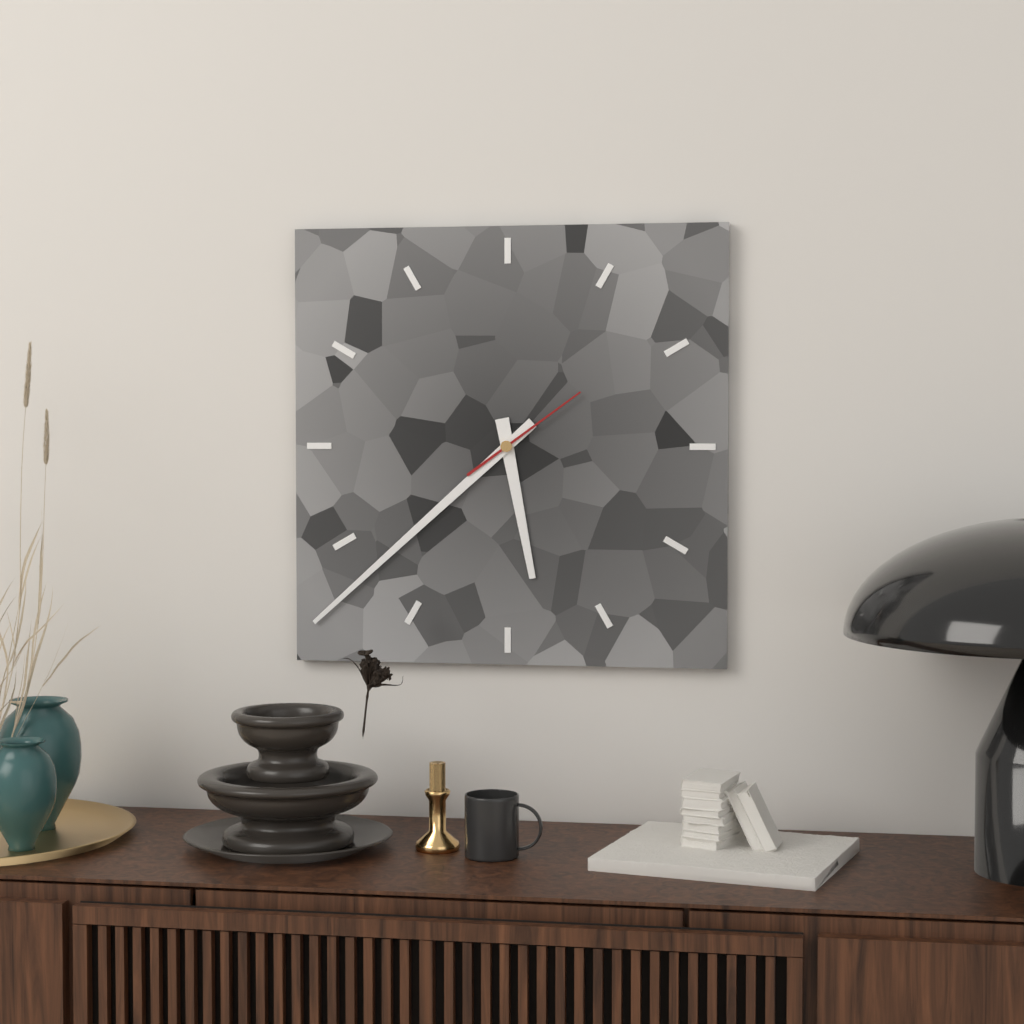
5h38m09s
